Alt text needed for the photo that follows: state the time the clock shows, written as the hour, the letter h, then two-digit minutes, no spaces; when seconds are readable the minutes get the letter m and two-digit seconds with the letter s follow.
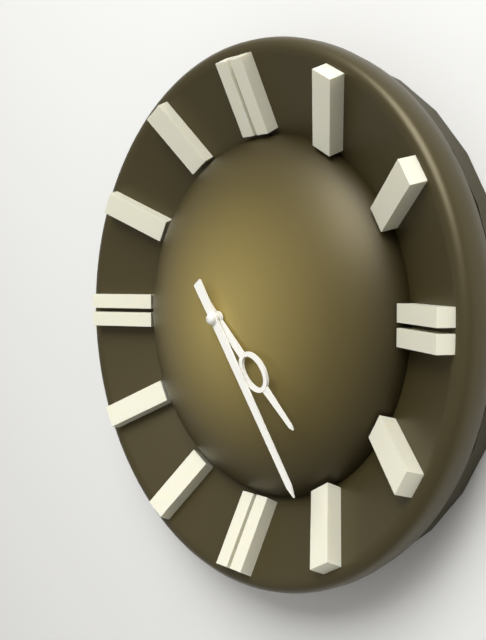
4h24
